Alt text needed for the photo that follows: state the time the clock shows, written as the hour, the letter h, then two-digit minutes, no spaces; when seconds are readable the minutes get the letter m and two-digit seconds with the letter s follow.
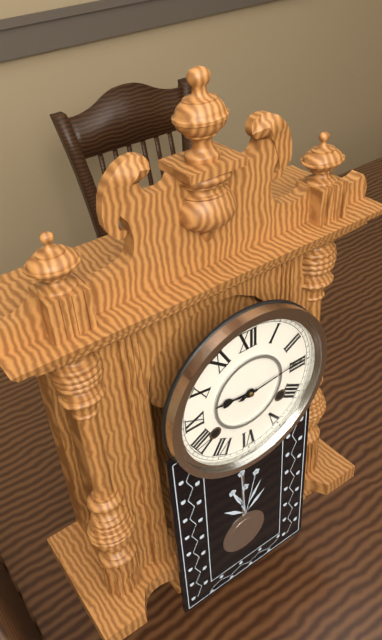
9h14
